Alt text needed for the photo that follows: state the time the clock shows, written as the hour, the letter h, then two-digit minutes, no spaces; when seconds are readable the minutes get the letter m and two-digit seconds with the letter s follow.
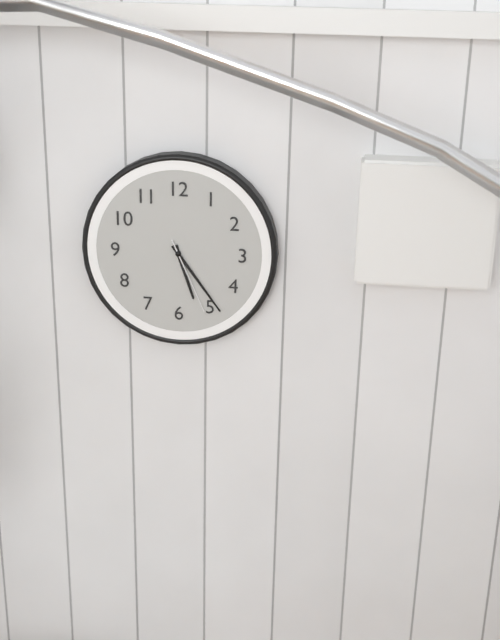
5h24m26s
